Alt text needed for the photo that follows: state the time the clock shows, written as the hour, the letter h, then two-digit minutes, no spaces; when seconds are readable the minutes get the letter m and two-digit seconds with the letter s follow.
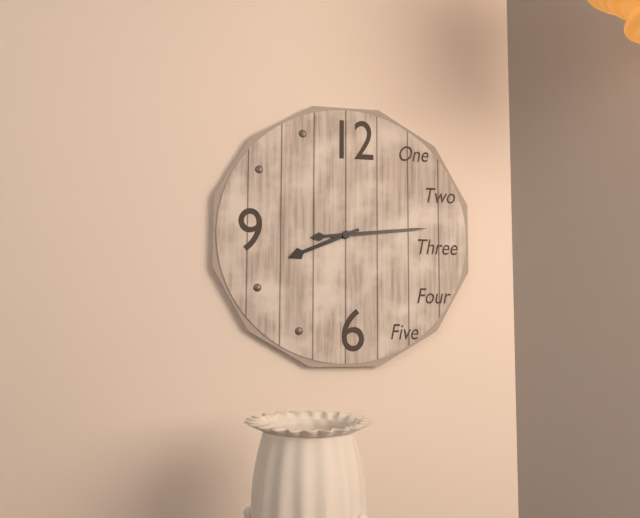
8h14
